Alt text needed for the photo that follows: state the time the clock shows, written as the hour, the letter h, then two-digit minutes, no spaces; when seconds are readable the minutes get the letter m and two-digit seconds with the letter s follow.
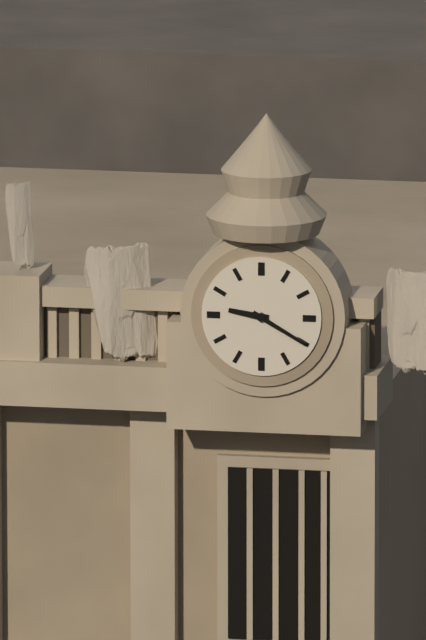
9h20
